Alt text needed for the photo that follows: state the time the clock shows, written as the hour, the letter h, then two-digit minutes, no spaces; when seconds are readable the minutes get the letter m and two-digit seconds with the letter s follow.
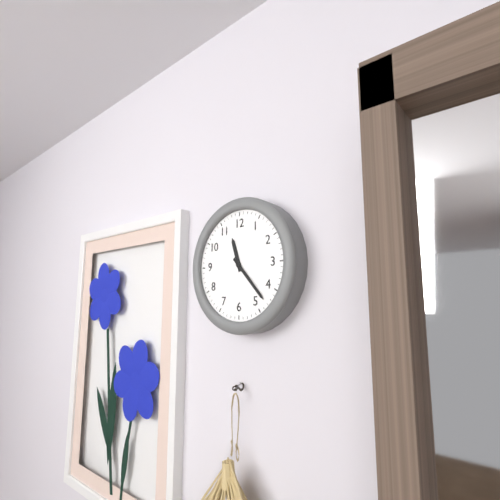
11h23
